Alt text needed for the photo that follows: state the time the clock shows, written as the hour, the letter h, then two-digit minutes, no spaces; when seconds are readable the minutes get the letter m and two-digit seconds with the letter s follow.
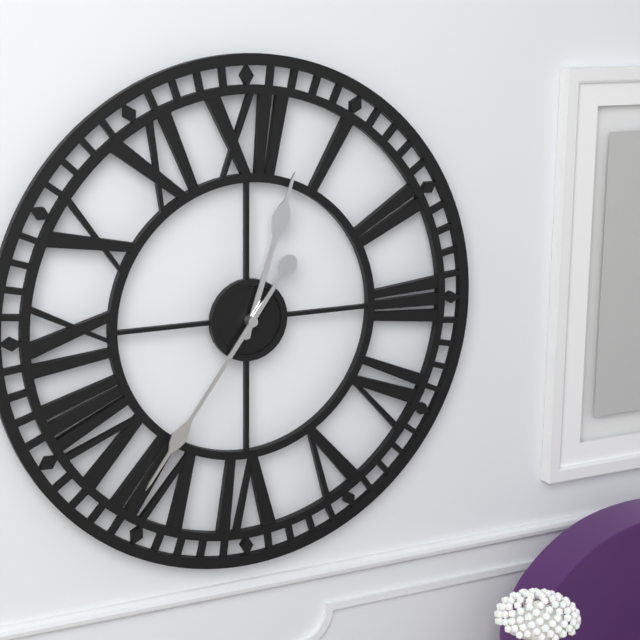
12h36
